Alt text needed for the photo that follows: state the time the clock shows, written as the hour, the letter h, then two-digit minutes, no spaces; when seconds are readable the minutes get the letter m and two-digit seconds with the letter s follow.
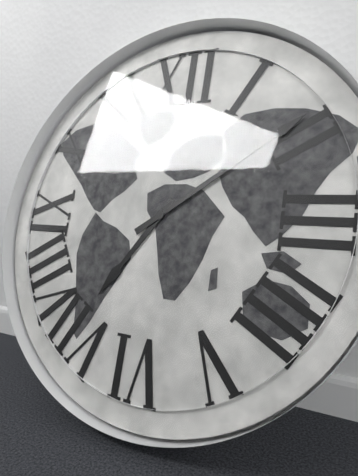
7h09
